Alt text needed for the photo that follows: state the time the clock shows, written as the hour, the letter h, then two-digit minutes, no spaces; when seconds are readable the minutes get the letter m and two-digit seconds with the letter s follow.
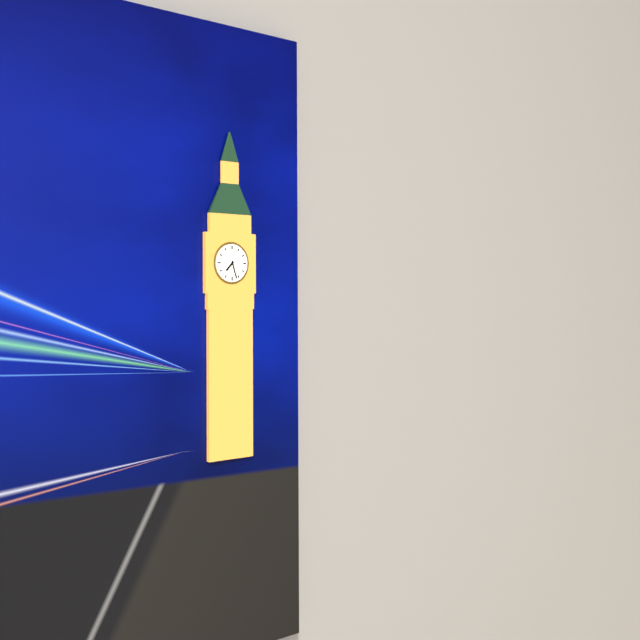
7h27
